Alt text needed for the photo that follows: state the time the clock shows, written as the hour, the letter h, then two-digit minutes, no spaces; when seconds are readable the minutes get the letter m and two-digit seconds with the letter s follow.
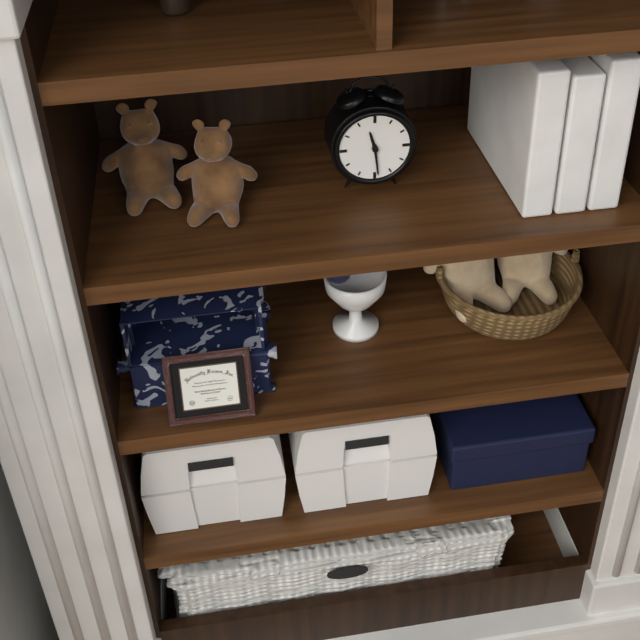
11h29
